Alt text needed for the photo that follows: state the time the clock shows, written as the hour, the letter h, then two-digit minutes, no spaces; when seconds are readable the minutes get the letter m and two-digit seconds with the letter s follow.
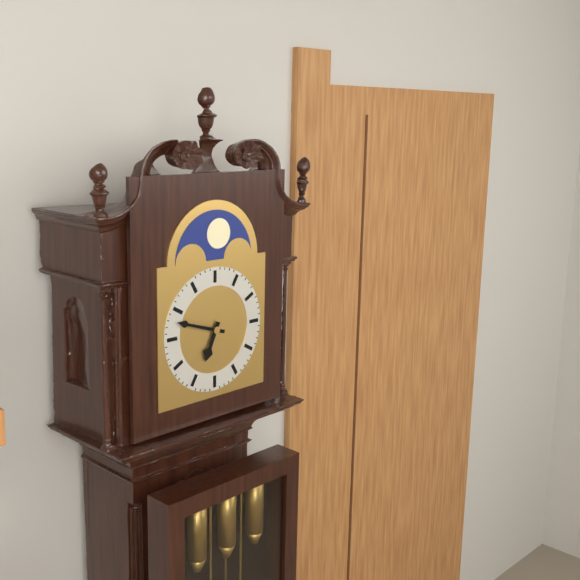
6h48
